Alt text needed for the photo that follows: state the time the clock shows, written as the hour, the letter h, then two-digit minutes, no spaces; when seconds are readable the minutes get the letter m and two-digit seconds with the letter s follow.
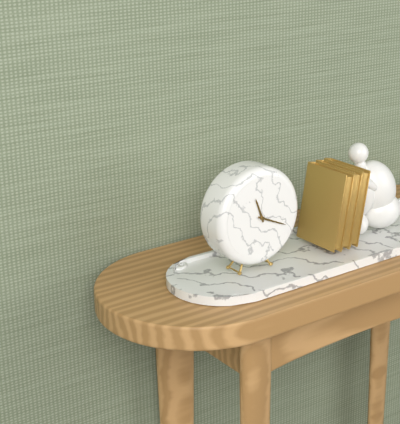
11h19
